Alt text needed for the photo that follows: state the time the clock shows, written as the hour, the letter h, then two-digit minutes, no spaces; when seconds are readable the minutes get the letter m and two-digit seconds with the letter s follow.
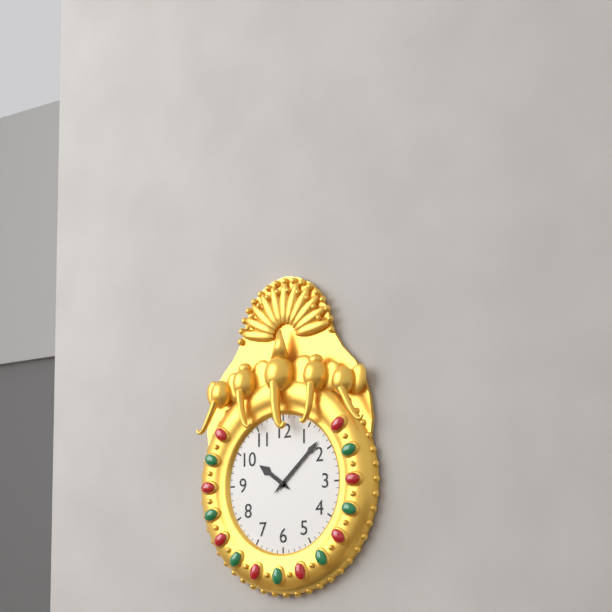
10h08
